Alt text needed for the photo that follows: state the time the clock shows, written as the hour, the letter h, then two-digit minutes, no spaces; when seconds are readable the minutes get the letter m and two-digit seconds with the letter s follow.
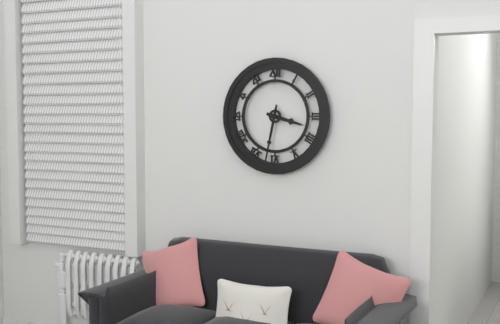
3h32
